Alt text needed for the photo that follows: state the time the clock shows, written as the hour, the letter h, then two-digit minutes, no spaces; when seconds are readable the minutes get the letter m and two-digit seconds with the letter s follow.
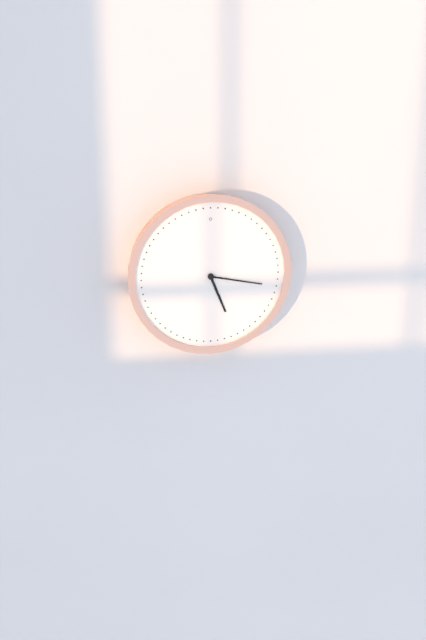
5h17
